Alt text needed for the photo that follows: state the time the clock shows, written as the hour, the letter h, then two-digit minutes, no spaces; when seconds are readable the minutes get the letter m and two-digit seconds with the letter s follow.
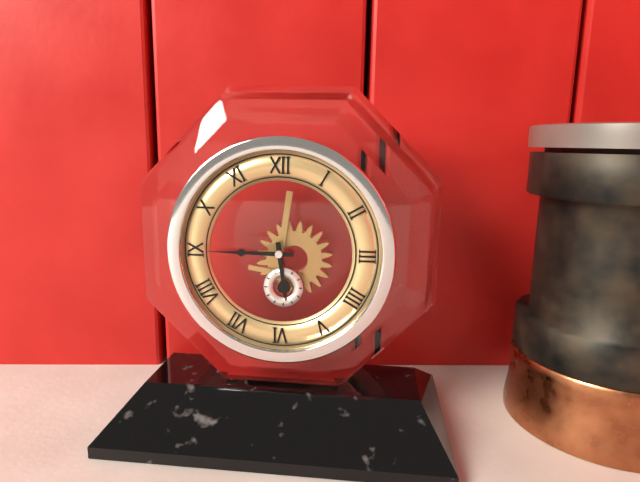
5h45
